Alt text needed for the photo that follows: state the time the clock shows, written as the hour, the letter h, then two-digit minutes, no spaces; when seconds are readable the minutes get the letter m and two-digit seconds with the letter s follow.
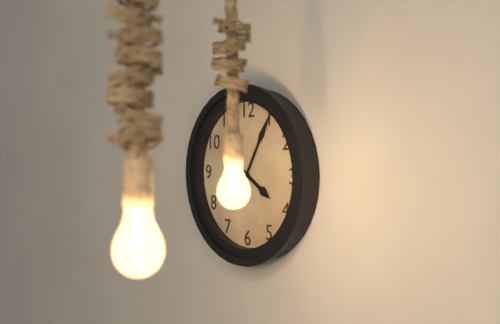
4h05
